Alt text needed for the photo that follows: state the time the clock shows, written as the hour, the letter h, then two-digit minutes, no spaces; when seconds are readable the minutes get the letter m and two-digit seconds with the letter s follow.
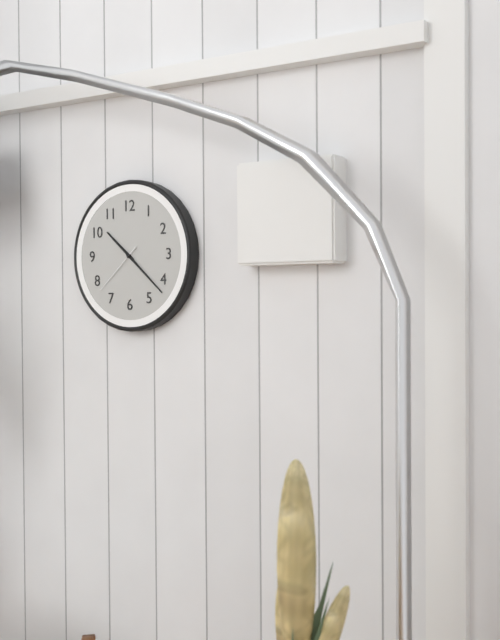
10h22m38s
